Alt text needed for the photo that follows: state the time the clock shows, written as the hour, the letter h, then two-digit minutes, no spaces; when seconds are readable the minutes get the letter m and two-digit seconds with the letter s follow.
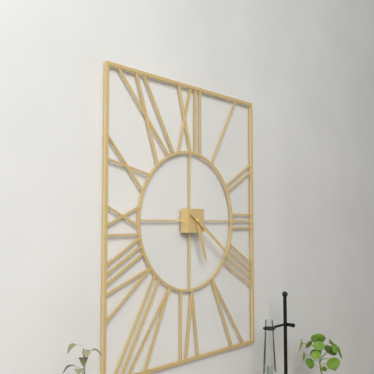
5h21
